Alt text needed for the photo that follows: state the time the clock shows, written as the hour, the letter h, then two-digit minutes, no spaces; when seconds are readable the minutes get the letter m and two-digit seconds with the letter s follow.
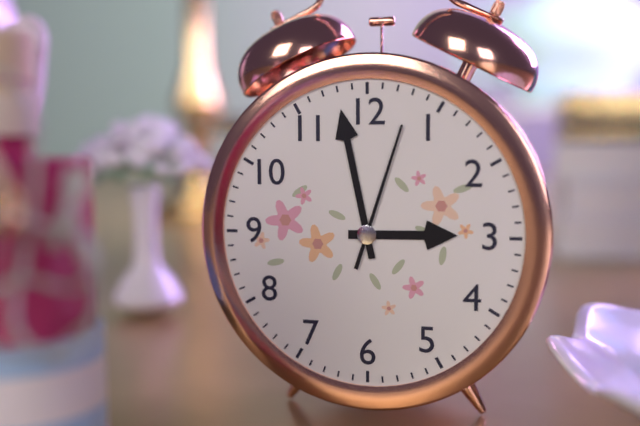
2h58m03s
